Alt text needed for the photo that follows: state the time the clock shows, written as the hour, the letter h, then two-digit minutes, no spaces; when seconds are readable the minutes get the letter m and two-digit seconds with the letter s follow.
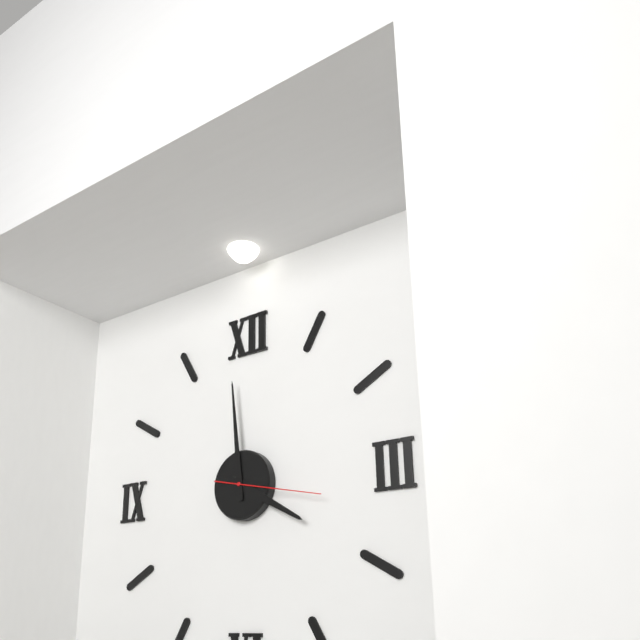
3h59m17s
